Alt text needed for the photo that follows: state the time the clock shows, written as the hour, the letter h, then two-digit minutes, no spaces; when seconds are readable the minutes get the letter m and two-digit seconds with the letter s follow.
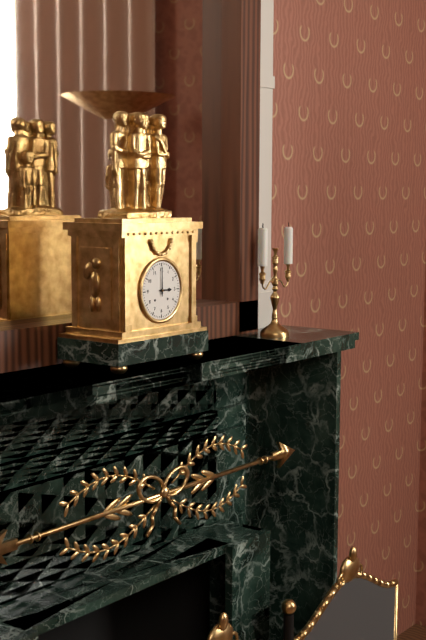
3h00
